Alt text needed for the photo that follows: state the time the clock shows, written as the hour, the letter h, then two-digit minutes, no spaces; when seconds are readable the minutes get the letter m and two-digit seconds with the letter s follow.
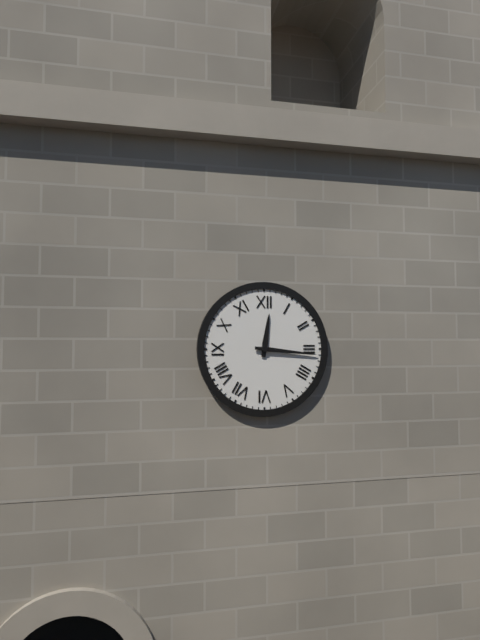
12h16
